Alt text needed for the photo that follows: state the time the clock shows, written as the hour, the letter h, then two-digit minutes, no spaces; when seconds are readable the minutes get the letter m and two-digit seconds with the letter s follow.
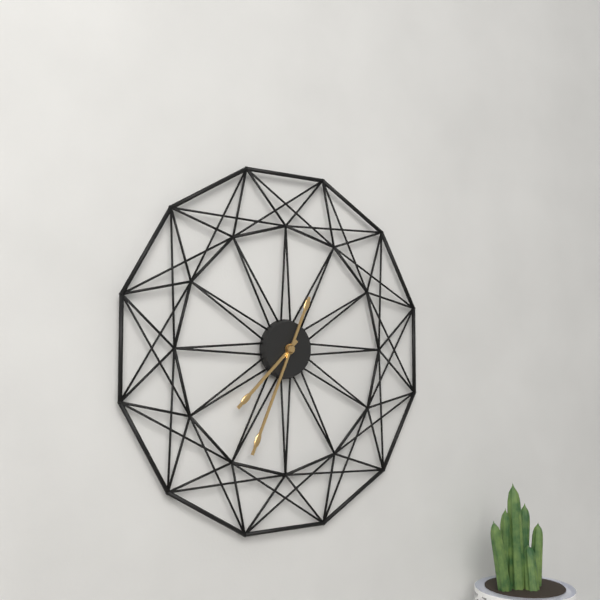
7h34
